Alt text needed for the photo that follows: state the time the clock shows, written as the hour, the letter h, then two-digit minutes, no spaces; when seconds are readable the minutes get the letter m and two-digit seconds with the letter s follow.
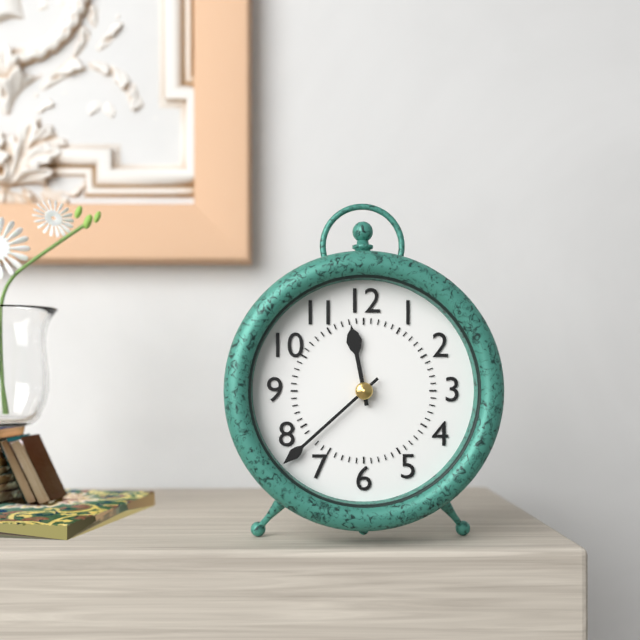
11h38
